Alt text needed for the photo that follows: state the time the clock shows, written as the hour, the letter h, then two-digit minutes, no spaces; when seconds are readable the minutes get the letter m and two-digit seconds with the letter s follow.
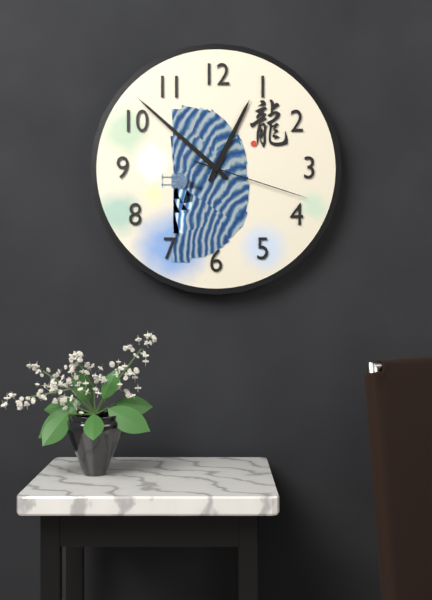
12h52m18s
